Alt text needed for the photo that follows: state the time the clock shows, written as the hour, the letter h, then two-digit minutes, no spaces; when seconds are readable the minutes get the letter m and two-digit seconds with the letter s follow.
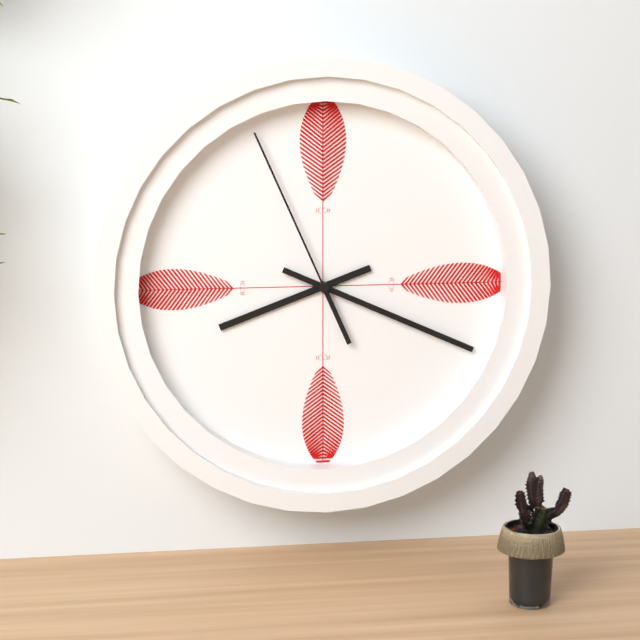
8h19m56s
